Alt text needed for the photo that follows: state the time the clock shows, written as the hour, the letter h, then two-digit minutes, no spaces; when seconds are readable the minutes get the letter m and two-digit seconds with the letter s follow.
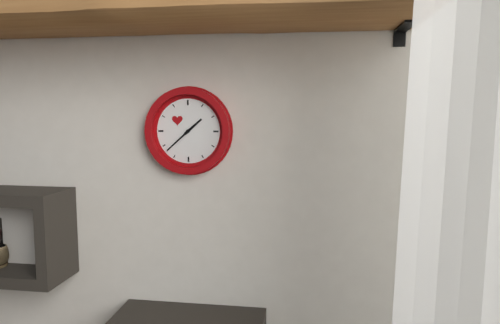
1h38
